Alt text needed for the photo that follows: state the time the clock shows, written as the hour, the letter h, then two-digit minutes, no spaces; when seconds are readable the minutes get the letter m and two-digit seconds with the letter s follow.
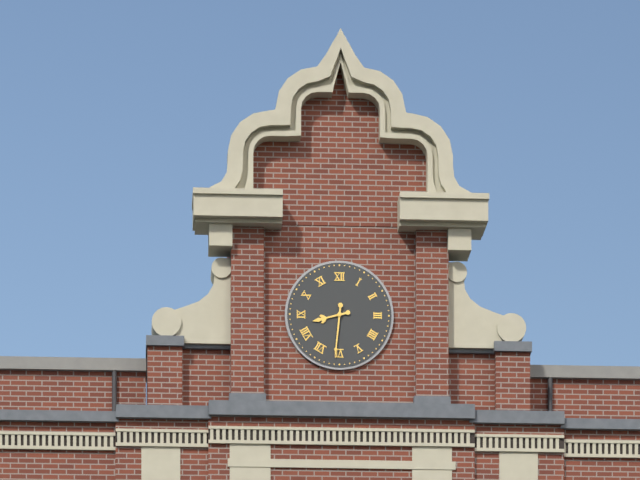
8h31
